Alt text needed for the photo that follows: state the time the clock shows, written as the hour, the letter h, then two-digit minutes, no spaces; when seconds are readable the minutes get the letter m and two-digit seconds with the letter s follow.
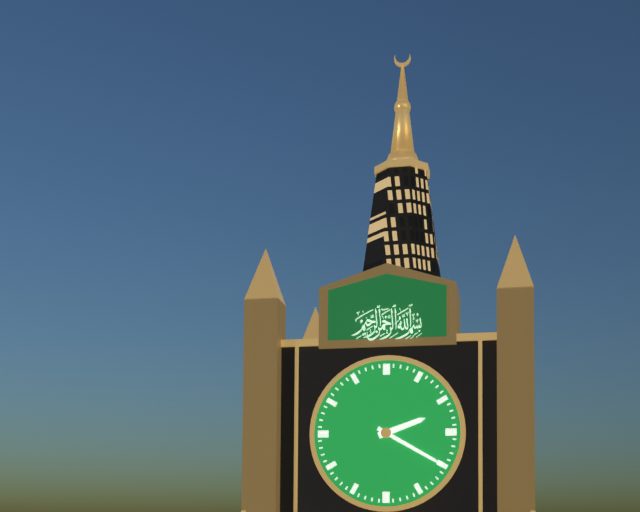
2h20
